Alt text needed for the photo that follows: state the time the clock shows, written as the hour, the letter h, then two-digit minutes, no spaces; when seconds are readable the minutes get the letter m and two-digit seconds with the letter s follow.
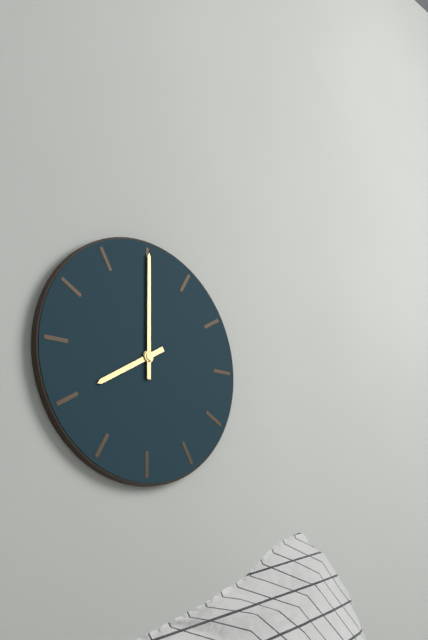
8h00
